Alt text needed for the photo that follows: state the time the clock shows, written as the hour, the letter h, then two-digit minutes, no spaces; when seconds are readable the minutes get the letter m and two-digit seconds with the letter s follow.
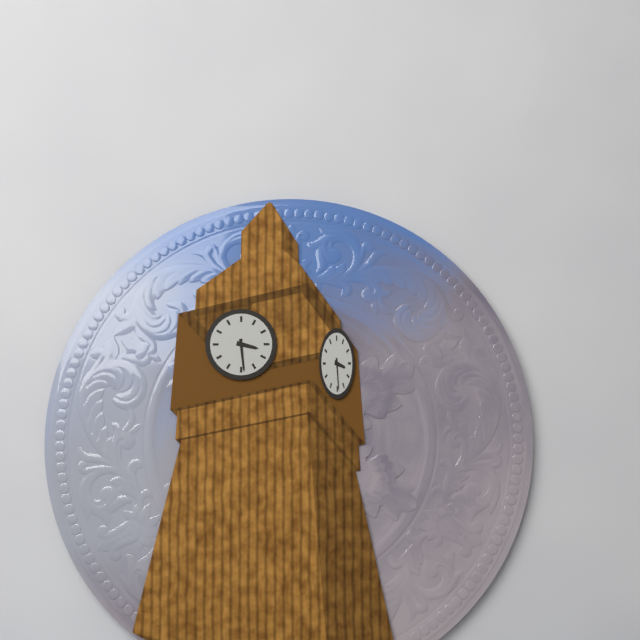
3h29
